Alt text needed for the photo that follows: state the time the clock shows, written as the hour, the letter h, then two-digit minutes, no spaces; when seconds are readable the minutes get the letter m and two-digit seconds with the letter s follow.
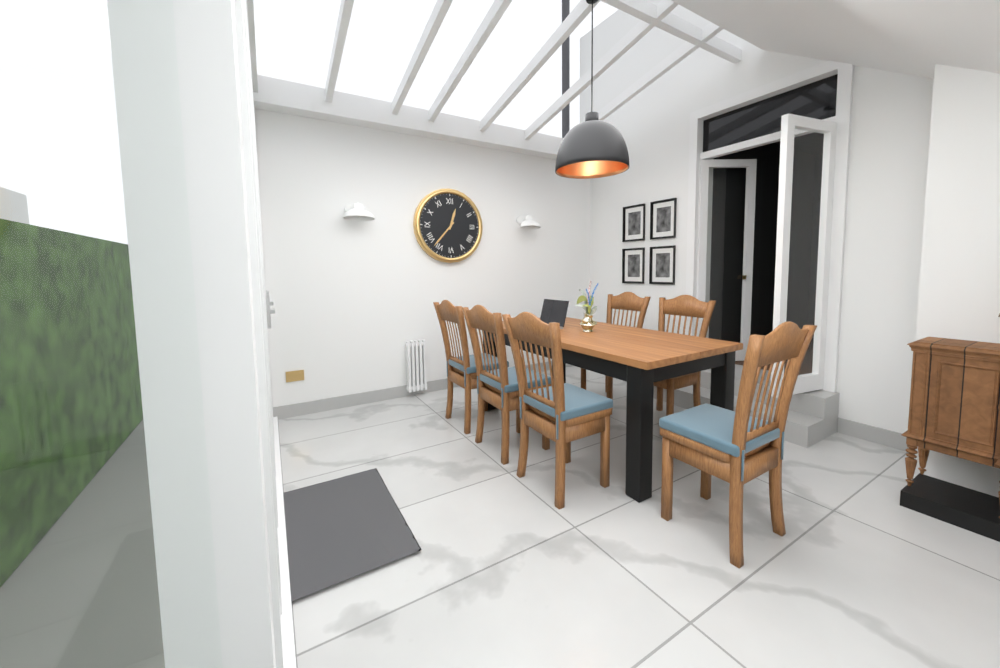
12h37
